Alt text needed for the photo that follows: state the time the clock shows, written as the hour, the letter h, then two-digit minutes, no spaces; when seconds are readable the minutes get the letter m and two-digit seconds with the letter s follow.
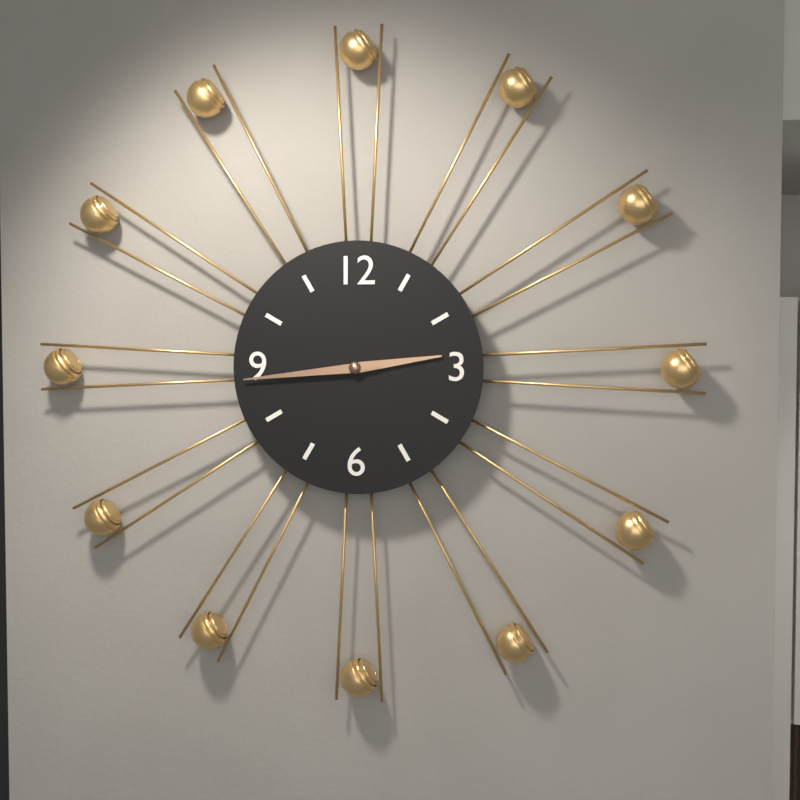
2h44
